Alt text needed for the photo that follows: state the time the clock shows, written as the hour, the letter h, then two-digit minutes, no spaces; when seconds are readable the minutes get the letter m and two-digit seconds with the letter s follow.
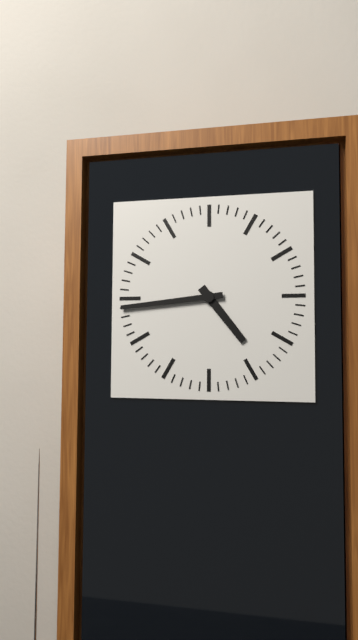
4h44
